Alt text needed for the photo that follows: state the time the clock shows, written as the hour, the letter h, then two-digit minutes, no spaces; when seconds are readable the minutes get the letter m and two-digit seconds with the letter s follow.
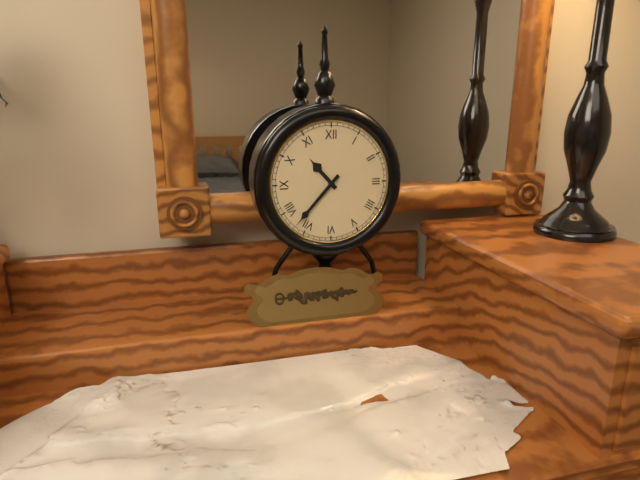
10h37
